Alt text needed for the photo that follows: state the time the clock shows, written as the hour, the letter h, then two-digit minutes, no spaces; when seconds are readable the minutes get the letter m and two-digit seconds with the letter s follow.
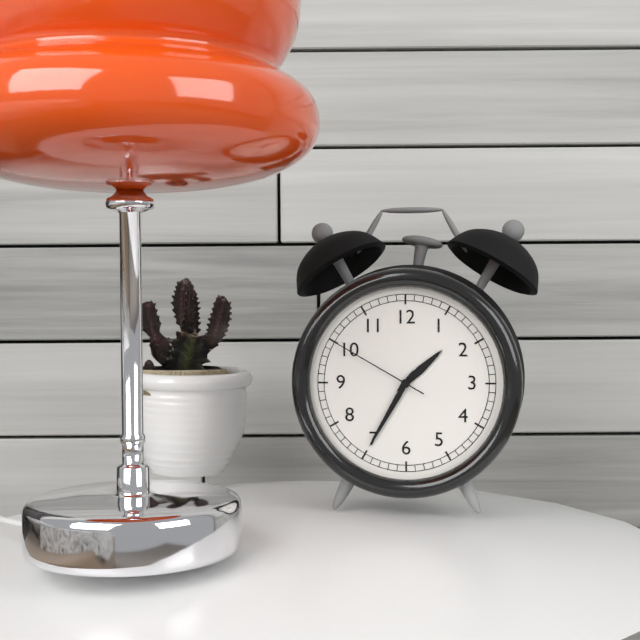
1h35m50s
